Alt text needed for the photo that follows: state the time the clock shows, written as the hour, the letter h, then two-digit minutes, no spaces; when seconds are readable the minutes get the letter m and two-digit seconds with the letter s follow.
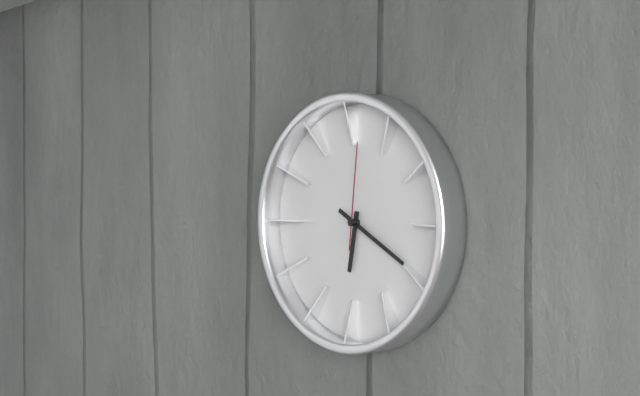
6h20m01s
